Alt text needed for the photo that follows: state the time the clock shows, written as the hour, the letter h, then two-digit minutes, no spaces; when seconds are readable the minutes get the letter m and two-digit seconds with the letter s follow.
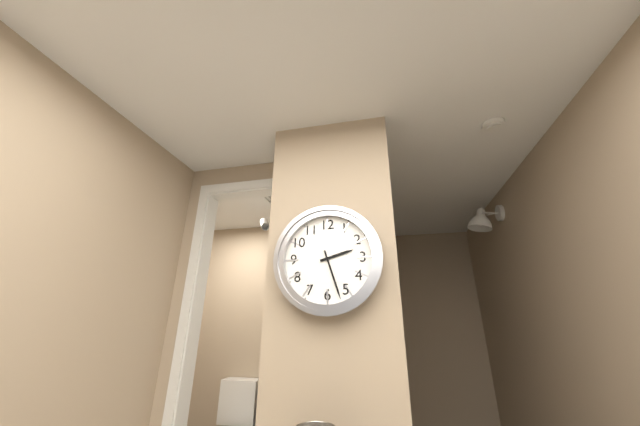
2h27
